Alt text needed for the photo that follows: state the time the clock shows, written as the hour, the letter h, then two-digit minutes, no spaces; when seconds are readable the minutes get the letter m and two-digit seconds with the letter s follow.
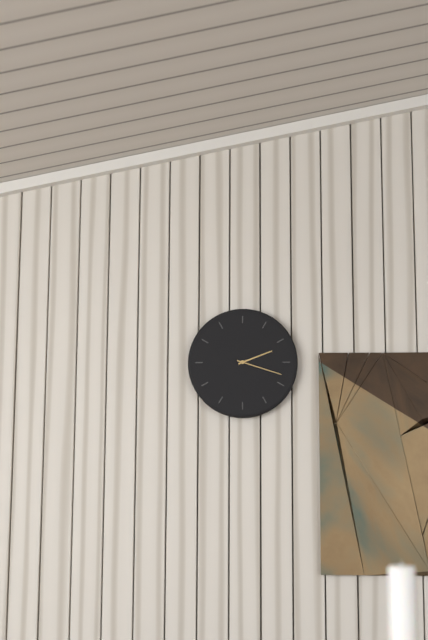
2h18
